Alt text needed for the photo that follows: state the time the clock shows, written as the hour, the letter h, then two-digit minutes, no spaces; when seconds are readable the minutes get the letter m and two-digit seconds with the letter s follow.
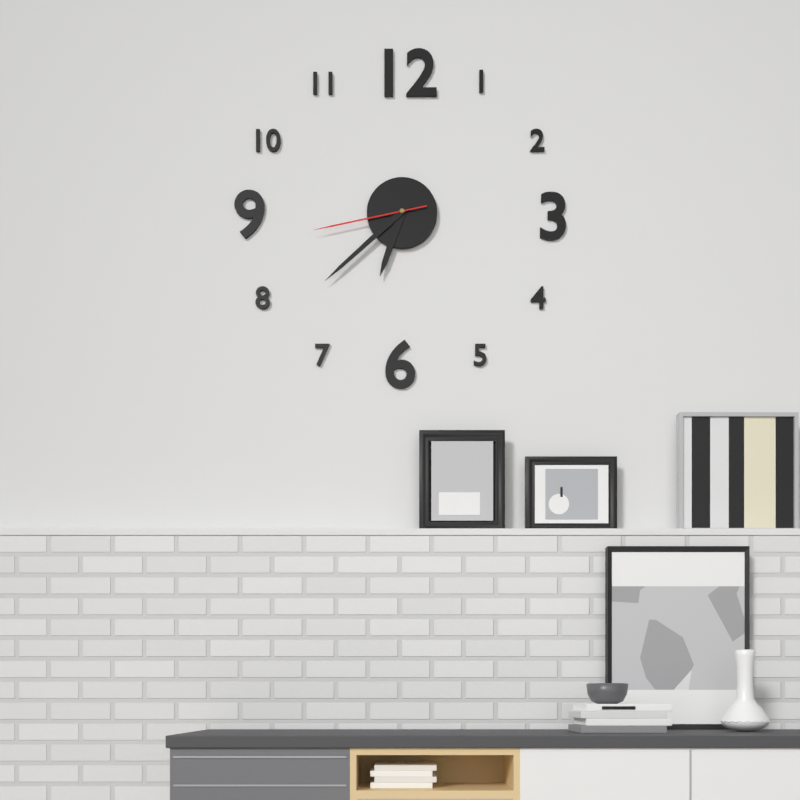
6h38m43s
